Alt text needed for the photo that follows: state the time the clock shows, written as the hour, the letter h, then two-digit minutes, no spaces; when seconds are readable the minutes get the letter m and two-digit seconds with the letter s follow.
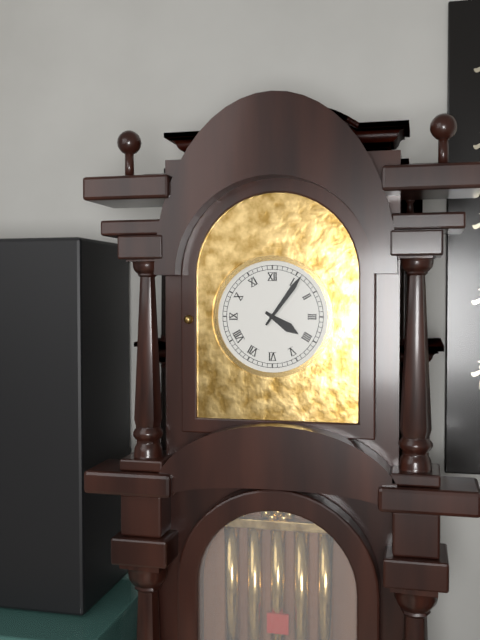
4h06
